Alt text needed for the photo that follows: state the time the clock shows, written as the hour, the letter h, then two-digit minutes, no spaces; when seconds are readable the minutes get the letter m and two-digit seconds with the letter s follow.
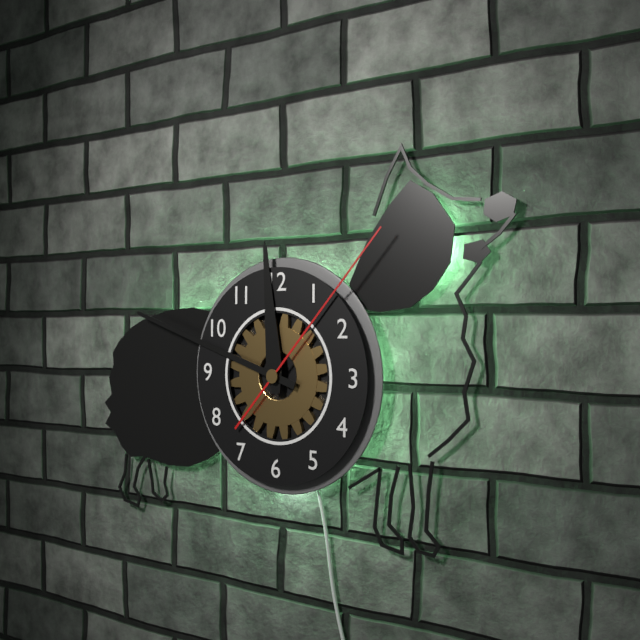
11h48m07s
